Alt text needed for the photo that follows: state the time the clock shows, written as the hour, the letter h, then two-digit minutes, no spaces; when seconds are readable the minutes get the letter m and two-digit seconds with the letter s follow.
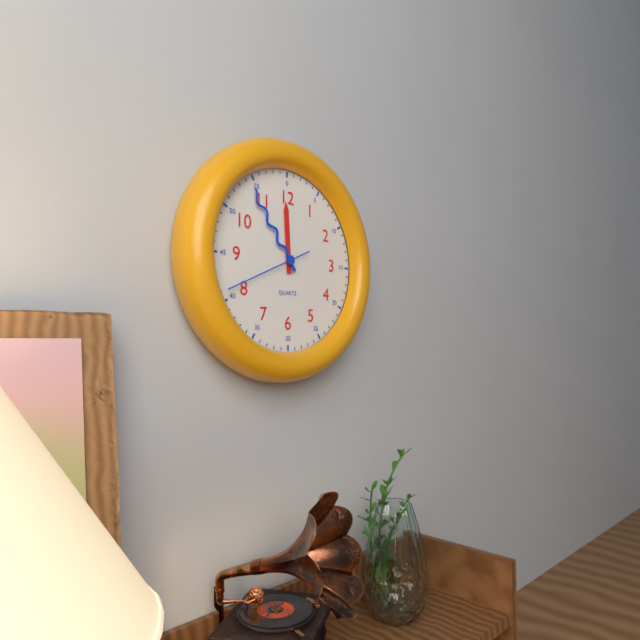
11h54m41s
